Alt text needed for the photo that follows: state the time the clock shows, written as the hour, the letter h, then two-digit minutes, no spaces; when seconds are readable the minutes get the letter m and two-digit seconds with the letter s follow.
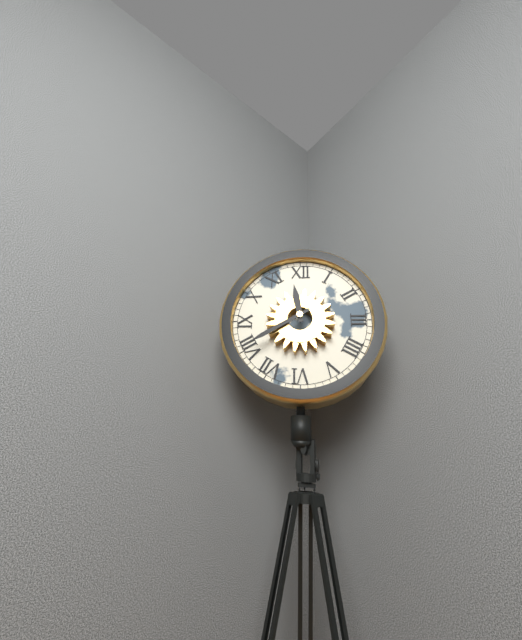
11h40
